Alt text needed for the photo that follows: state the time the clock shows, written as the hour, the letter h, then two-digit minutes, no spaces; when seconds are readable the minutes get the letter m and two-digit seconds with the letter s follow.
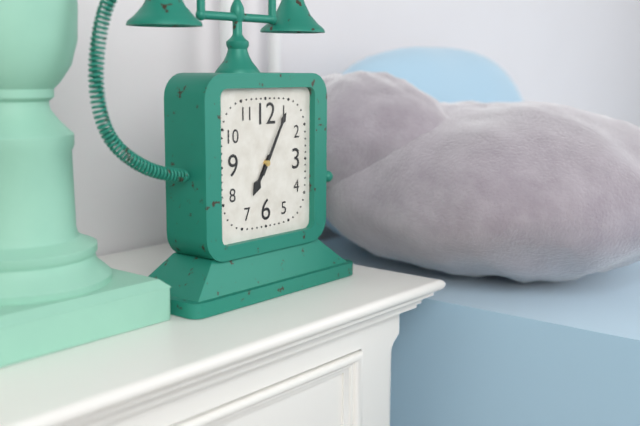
7h05
